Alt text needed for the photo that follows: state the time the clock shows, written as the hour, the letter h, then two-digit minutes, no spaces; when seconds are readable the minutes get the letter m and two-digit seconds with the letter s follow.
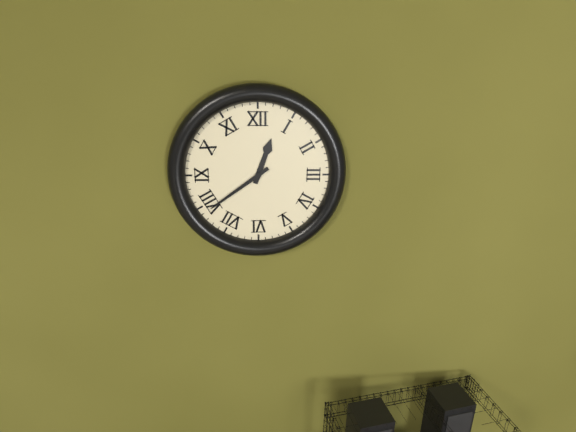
12h39
